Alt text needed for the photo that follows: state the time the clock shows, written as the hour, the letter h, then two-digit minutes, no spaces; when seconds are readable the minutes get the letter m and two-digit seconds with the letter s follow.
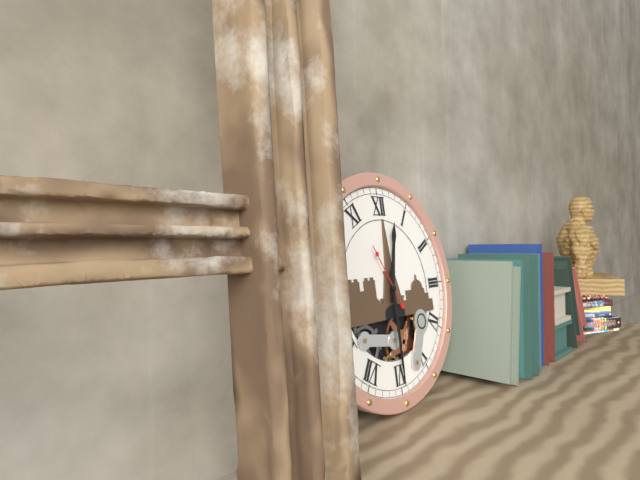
12h30m55s
